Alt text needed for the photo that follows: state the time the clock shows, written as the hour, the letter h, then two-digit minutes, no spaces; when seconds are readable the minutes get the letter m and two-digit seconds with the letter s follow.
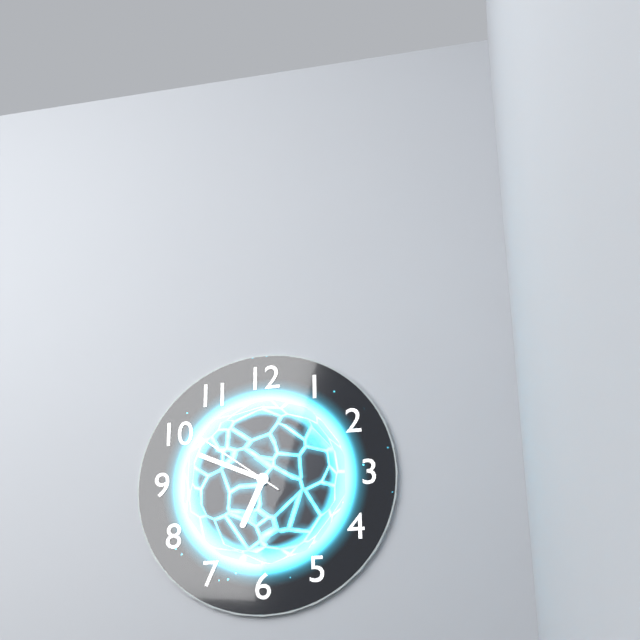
6h49m51s
